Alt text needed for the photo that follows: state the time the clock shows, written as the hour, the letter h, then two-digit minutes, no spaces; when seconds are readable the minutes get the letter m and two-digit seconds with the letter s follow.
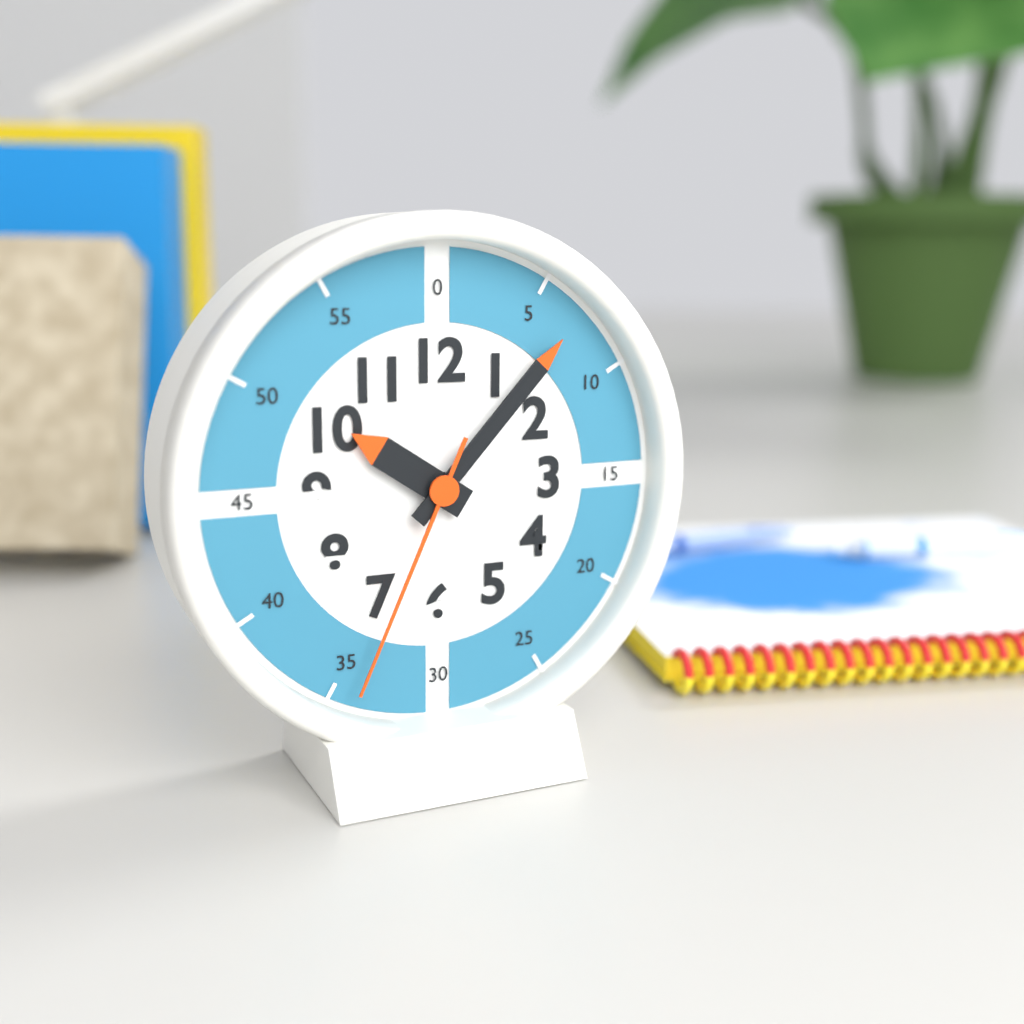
10h07m34s
